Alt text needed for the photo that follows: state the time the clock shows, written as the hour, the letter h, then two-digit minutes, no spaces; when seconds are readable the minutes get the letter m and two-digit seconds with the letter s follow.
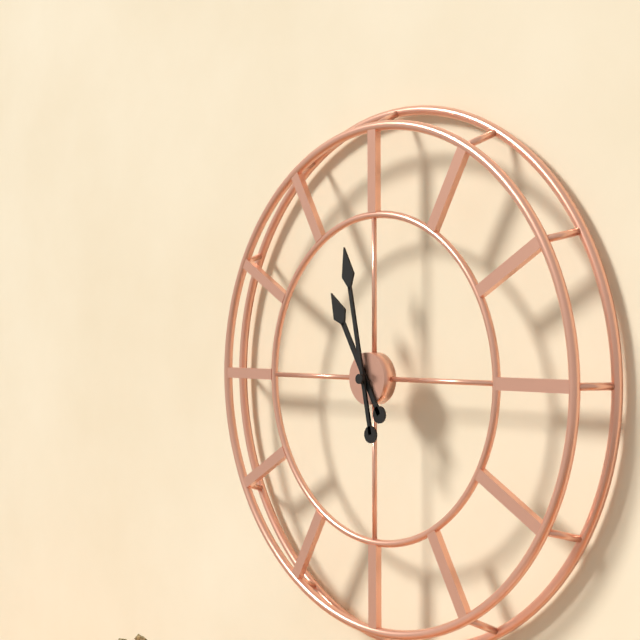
10h58
